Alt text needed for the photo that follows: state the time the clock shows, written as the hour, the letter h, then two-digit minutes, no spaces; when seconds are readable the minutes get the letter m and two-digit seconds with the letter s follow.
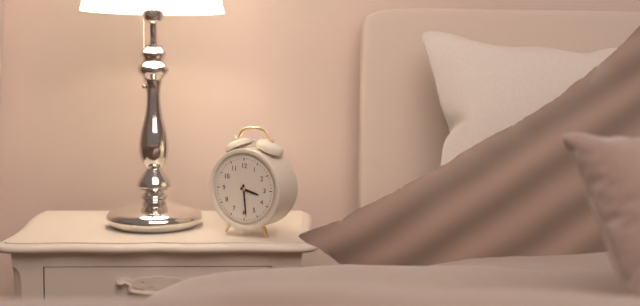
3h29
